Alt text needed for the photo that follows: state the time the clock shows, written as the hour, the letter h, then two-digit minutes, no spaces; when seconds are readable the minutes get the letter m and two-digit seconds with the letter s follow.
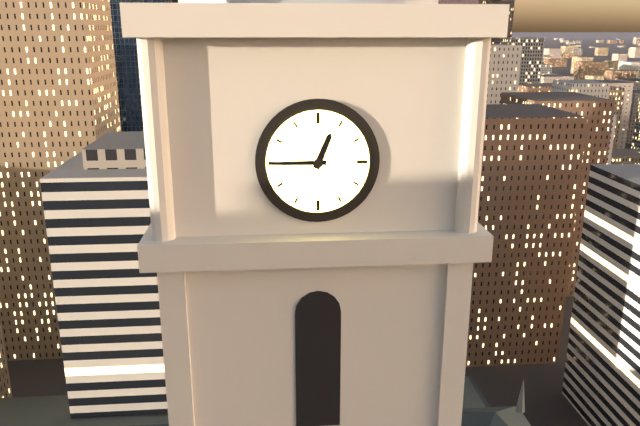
12h45
